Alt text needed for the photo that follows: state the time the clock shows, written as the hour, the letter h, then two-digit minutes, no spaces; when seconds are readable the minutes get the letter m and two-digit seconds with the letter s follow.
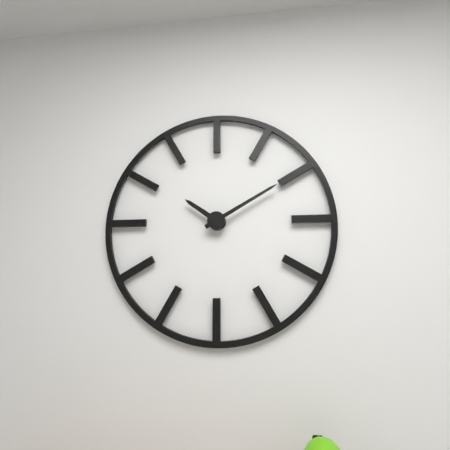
10h10
